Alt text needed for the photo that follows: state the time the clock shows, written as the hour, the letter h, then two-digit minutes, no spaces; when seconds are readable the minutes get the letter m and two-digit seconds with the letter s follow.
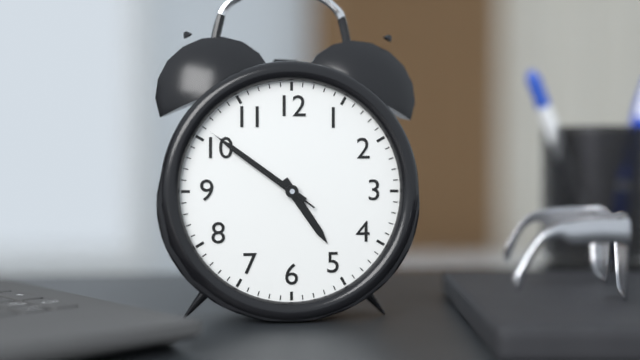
4h51m51s
